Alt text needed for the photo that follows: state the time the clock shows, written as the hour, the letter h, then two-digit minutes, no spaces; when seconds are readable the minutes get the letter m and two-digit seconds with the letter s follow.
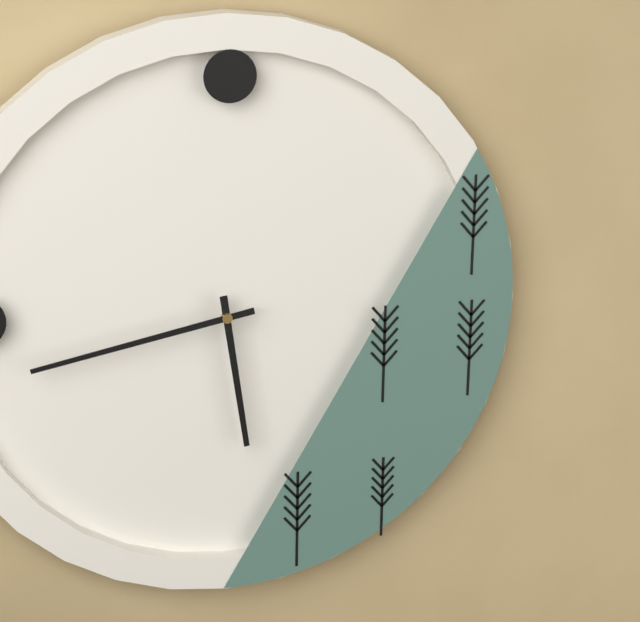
5h43
